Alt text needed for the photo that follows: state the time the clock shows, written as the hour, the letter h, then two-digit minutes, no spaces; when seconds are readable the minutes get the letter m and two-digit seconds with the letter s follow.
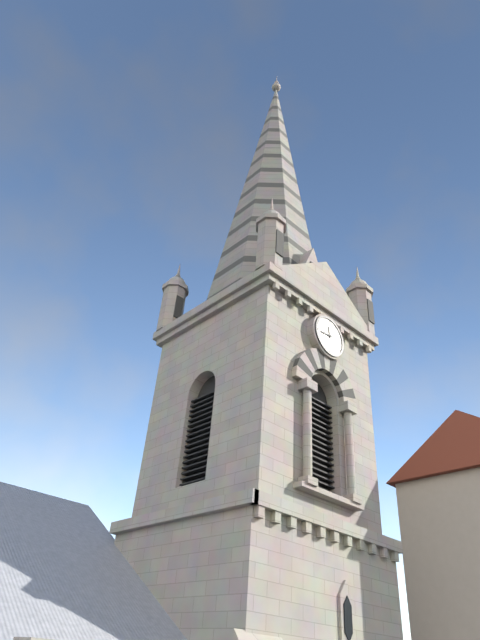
11h44
